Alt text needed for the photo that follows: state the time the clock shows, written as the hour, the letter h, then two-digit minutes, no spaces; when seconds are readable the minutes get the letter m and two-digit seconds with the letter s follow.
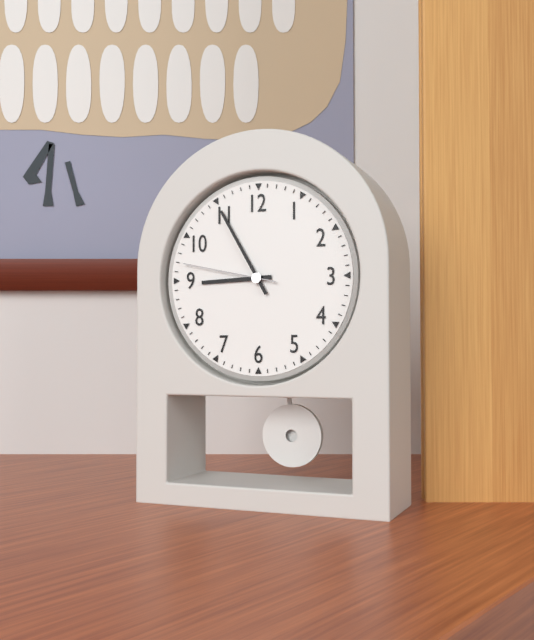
8h55m47s
